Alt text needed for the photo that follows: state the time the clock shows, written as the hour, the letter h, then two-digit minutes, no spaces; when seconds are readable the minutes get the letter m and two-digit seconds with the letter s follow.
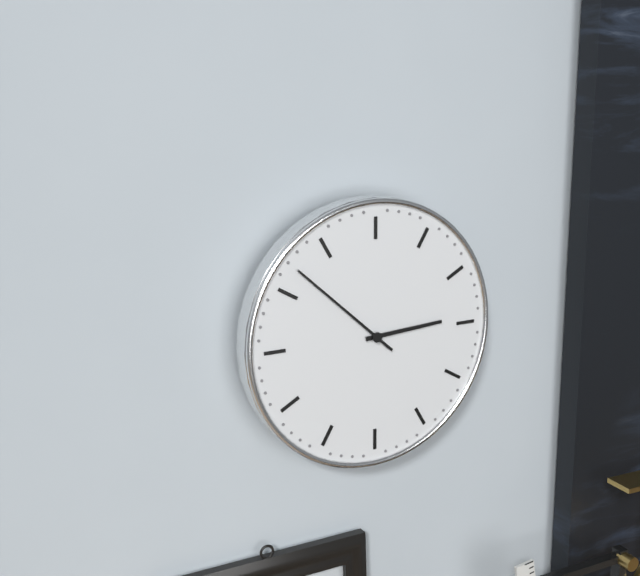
2h52
